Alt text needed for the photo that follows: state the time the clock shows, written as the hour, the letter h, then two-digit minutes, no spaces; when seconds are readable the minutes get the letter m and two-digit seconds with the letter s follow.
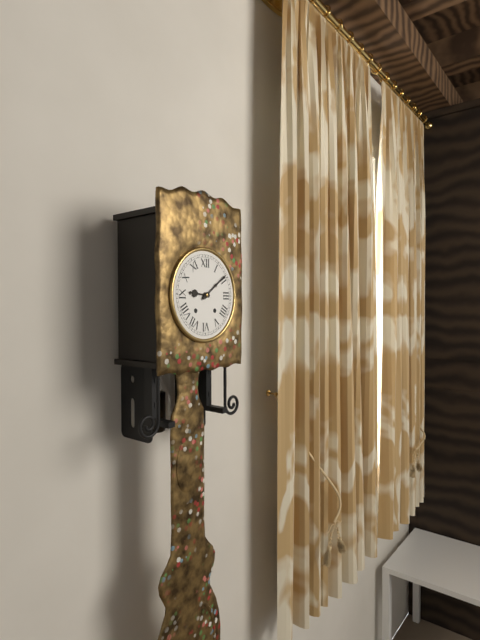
9h09
